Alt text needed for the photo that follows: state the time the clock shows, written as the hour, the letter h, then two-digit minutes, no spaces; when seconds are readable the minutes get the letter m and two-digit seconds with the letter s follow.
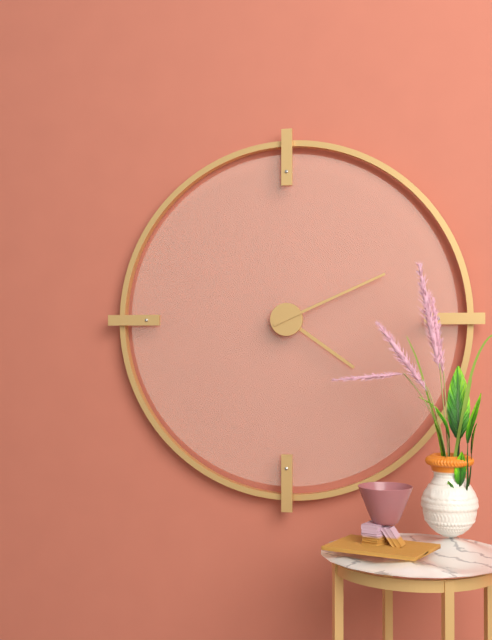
4h11
